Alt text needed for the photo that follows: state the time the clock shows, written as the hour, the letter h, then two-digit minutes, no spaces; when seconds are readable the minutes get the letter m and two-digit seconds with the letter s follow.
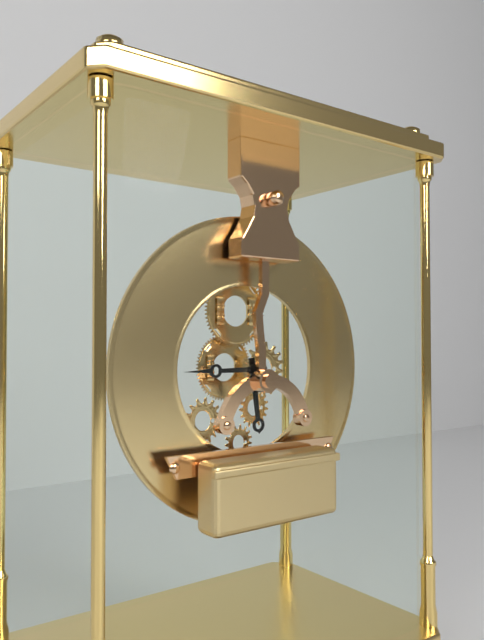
5h45
